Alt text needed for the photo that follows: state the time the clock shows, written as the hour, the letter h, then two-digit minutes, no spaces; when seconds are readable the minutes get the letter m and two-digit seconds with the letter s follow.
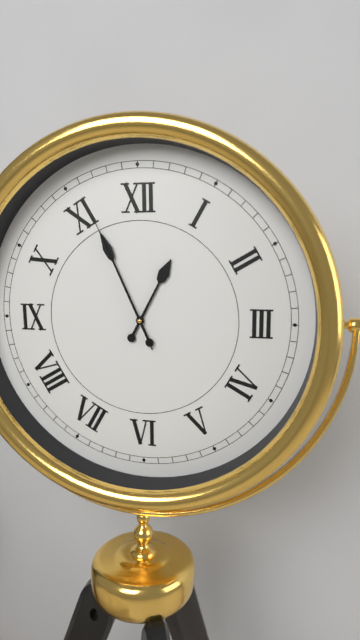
12h56m56s
